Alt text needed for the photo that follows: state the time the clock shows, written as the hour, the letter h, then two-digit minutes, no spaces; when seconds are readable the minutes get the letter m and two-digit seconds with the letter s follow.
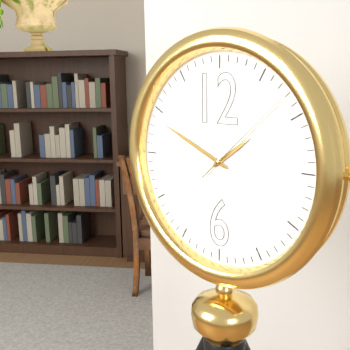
1h49m08s
